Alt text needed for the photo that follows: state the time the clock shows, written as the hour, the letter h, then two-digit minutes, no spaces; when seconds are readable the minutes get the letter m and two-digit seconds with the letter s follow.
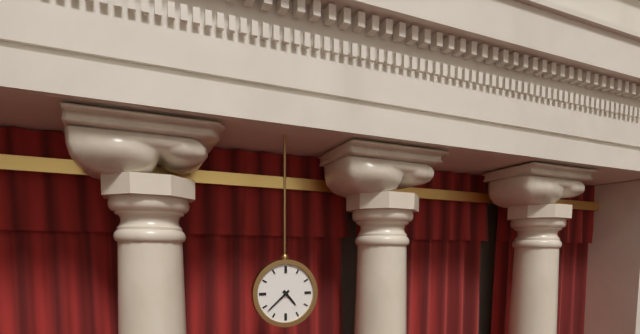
4h38
